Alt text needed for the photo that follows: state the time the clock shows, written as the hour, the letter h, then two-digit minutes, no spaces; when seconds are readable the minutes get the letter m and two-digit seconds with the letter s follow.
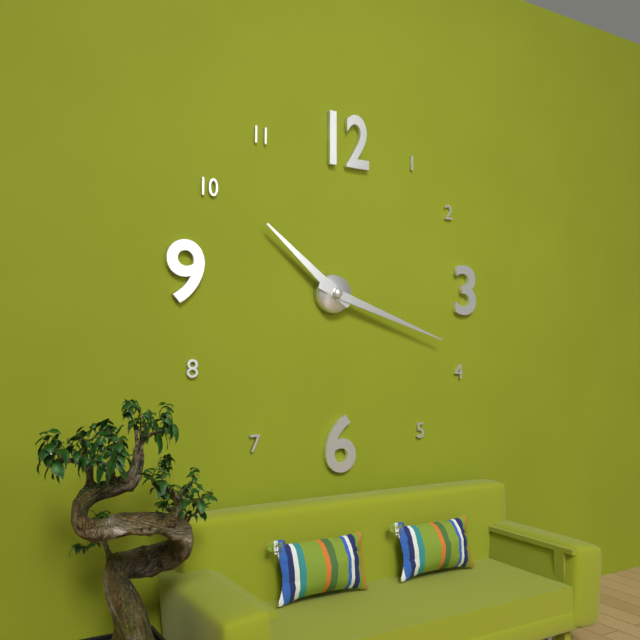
10h18
